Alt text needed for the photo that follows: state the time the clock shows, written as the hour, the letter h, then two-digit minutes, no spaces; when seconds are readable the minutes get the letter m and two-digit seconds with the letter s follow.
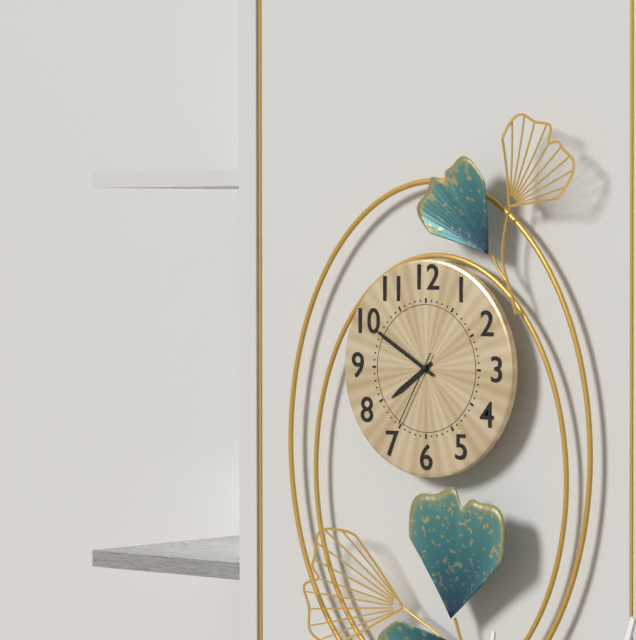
7h50m35s
